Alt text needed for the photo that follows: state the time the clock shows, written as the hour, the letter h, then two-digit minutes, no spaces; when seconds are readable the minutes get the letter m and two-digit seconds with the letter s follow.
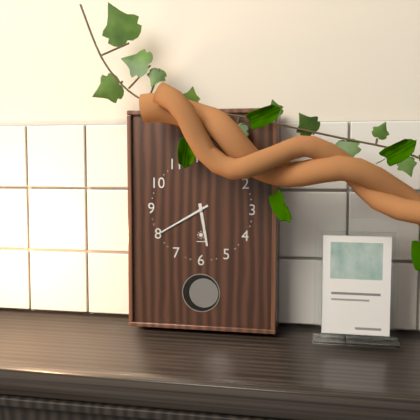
5h40
